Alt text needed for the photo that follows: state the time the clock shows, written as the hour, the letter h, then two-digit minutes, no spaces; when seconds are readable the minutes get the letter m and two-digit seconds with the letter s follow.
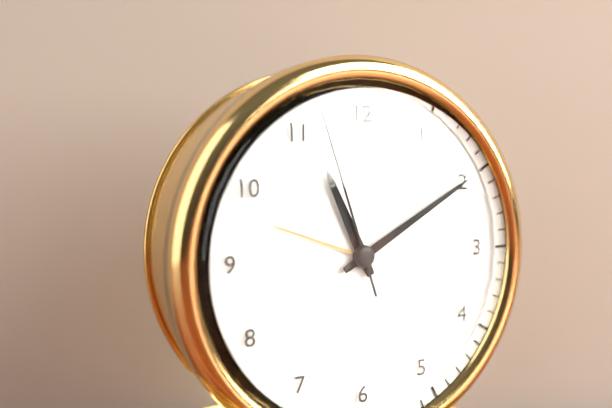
11h10m57s
